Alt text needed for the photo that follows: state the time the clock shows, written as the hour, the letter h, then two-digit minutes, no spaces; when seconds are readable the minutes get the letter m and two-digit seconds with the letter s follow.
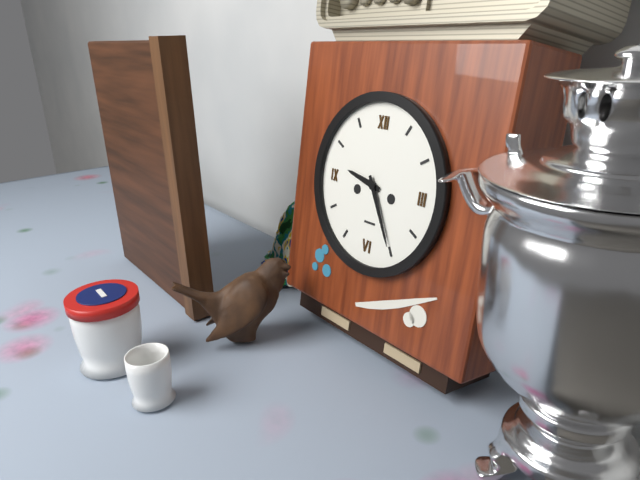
9h25
